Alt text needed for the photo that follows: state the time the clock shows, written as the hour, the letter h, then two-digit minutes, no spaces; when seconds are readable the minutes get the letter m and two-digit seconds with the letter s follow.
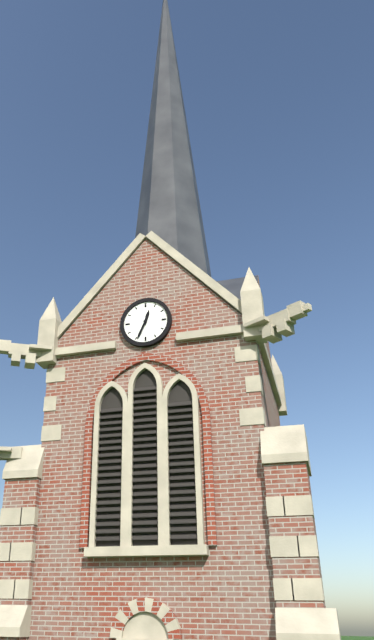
12h34
